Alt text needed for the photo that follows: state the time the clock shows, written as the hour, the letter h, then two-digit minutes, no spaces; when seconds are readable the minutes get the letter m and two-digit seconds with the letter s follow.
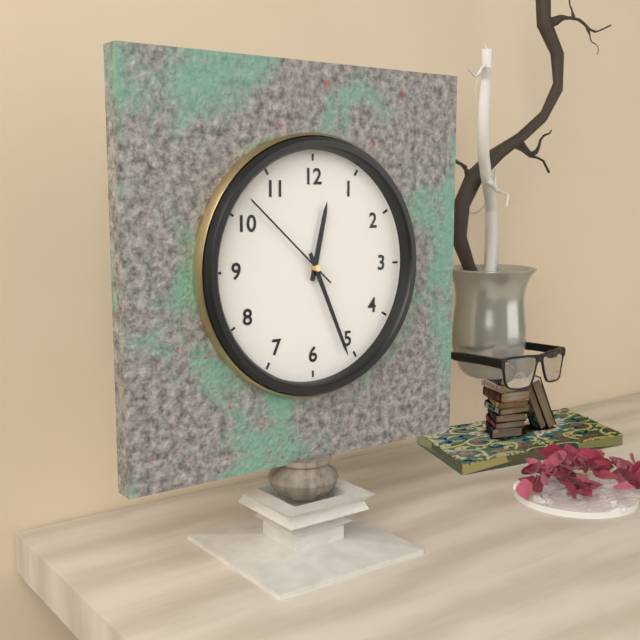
12h26m52s
